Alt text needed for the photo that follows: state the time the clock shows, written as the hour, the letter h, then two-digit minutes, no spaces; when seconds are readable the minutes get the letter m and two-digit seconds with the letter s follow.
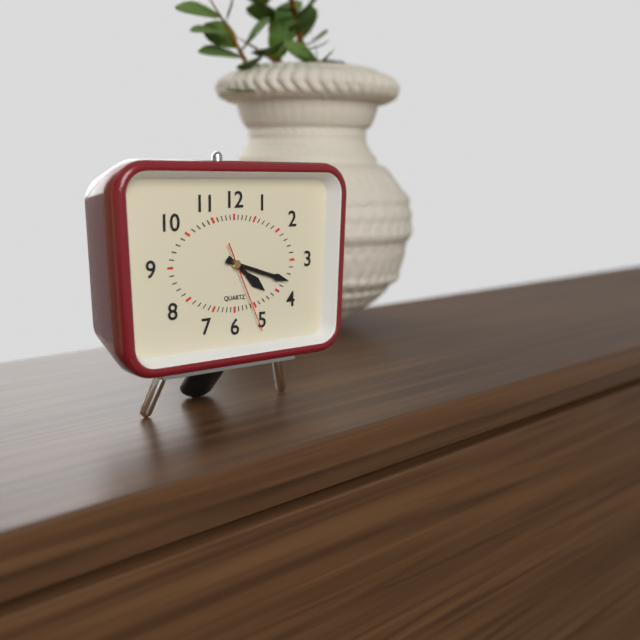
4h18m26s
